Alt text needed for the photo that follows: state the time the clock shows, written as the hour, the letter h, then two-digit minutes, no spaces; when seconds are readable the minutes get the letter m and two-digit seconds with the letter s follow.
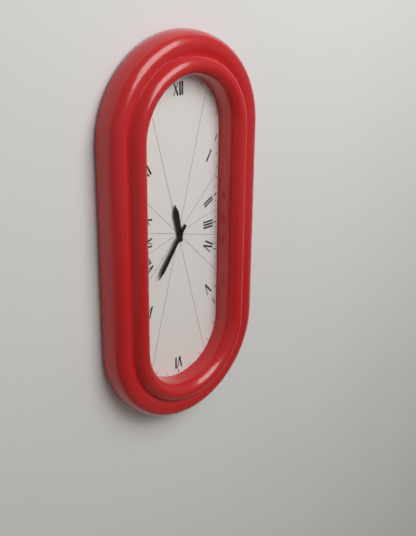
11h36
